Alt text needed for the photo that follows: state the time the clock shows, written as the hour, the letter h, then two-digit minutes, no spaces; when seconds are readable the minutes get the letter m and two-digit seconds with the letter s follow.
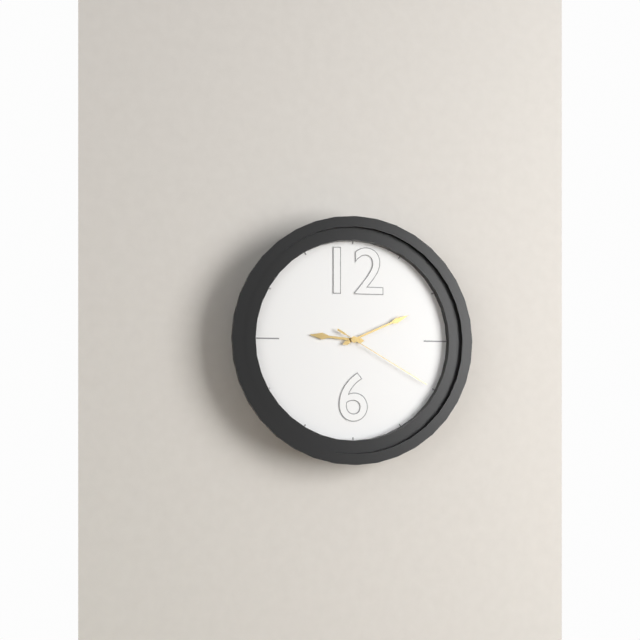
9h11m20s
